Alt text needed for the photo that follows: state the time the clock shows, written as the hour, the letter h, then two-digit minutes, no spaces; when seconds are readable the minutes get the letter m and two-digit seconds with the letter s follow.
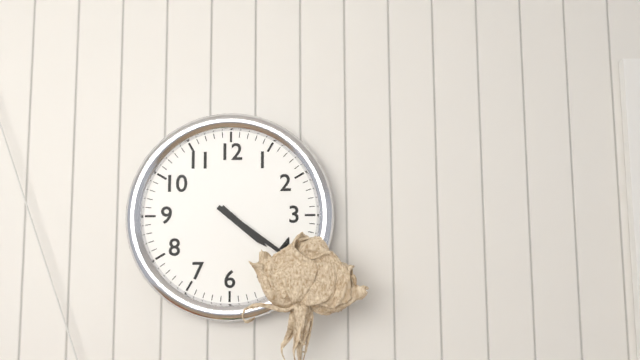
4h21
